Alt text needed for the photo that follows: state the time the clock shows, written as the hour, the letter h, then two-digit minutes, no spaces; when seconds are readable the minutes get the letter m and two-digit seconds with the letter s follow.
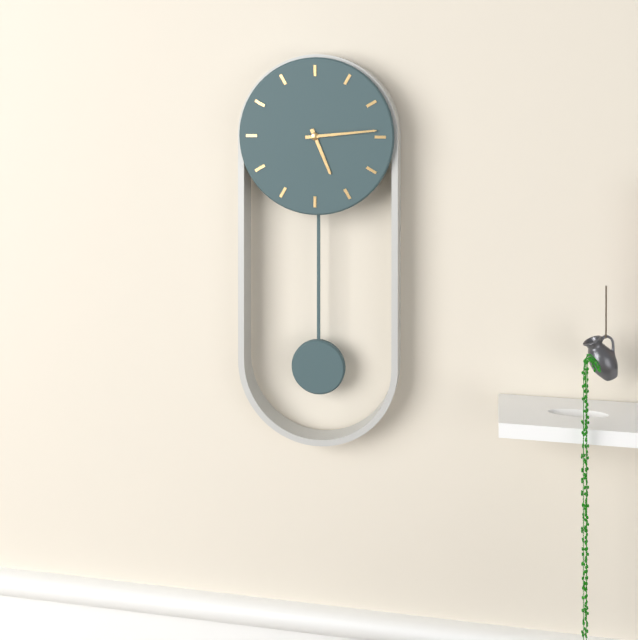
5h14
